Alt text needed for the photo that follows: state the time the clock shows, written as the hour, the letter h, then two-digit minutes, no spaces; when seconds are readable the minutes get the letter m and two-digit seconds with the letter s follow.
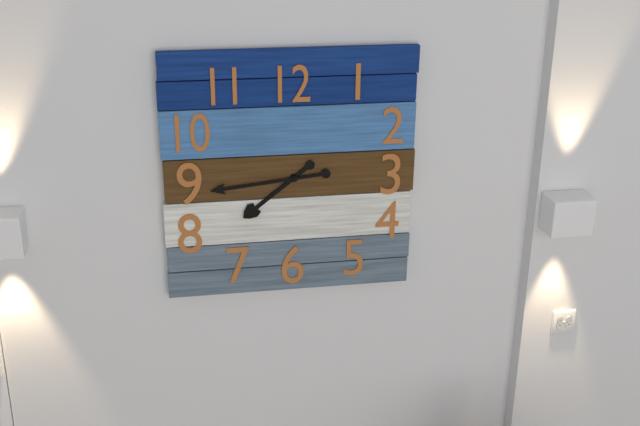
7h44
